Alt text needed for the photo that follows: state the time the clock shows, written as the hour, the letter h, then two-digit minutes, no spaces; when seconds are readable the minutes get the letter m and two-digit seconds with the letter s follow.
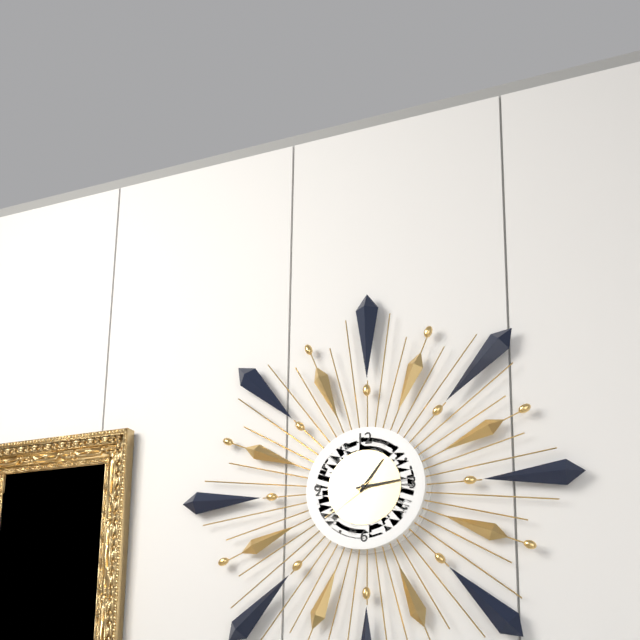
1h14m39s
